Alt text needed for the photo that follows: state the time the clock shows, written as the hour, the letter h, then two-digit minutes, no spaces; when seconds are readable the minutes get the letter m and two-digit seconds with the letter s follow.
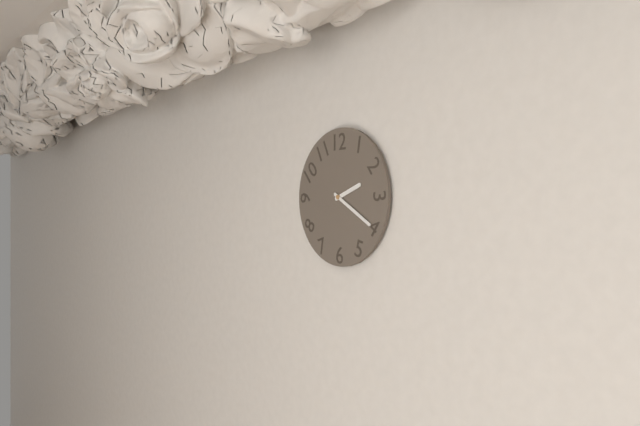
2h20
